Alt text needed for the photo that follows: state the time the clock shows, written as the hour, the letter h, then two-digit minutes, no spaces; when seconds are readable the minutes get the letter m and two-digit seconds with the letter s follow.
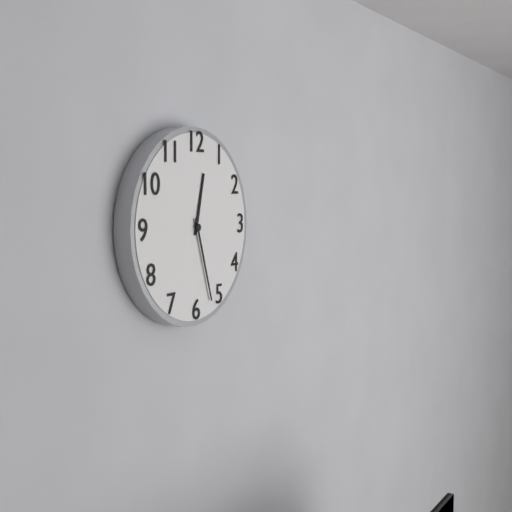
12h27
